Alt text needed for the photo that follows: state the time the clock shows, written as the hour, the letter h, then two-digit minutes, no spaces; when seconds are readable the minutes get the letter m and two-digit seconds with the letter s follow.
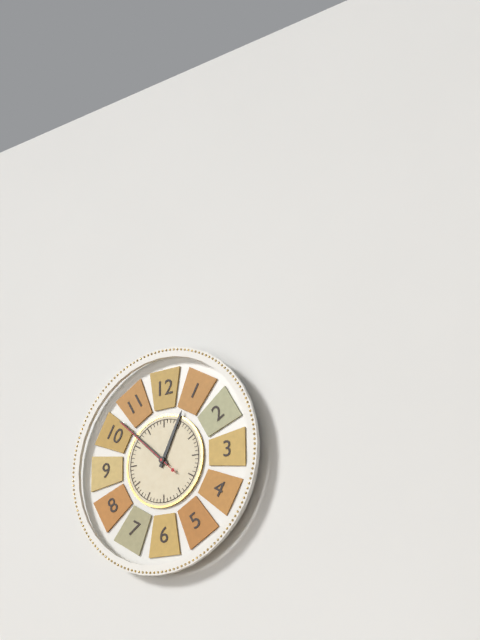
12h52m52s
